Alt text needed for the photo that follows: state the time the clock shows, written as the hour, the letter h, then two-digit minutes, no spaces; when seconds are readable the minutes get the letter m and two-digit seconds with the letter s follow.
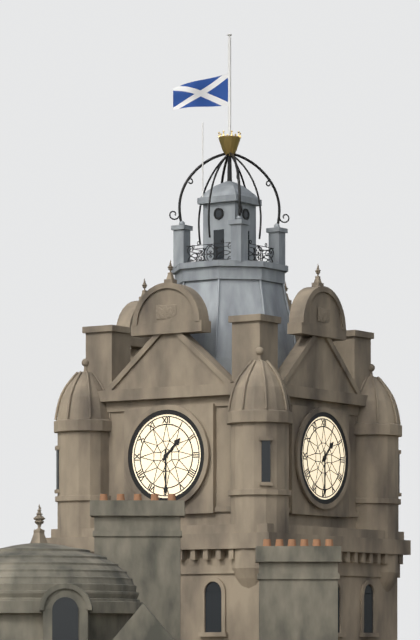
1h30
